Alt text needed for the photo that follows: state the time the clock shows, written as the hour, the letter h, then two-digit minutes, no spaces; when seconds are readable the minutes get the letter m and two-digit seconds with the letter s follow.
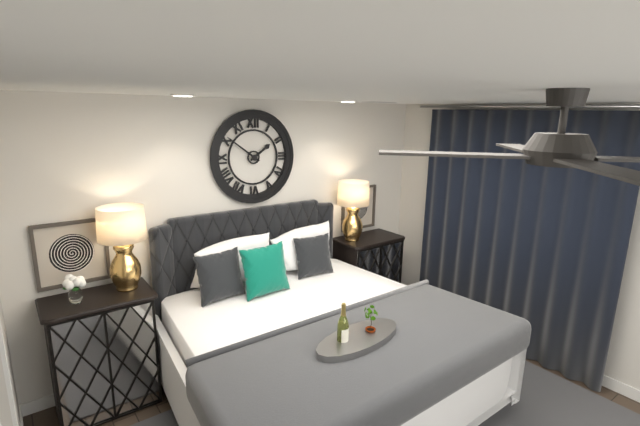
1h51
